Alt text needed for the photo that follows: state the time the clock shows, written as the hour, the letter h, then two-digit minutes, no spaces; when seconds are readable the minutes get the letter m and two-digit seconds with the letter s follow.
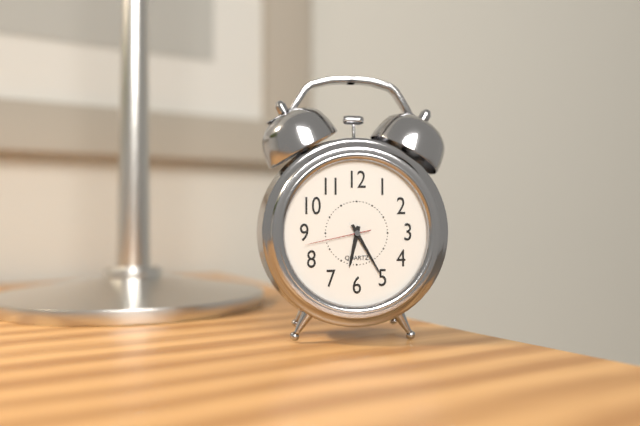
6h25m43s
